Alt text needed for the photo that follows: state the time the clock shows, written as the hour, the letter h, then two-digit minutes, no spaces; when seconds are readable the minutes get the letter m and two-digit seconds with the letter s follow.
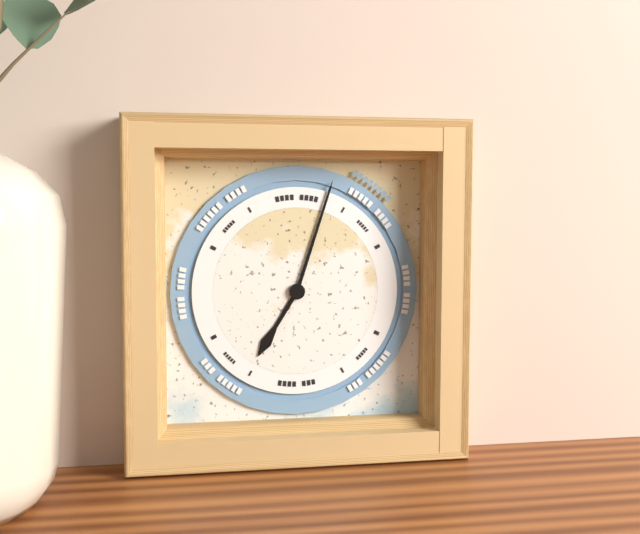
7h03
